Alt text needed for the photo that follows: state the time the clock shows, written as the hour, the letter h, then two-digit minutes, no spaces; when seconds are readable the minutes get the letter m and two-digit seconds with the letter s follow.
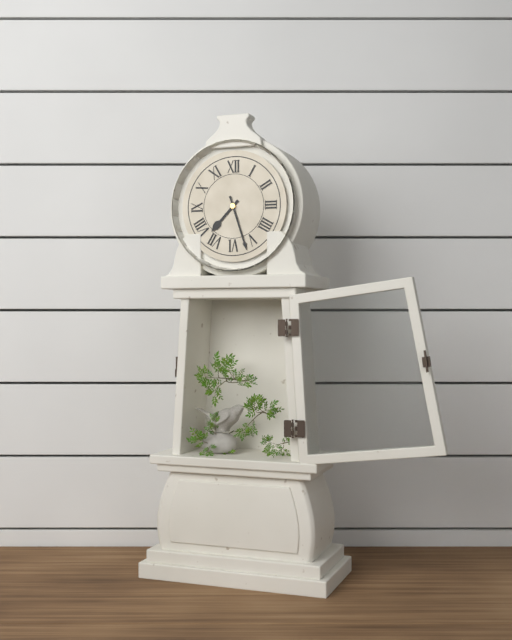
7h27
